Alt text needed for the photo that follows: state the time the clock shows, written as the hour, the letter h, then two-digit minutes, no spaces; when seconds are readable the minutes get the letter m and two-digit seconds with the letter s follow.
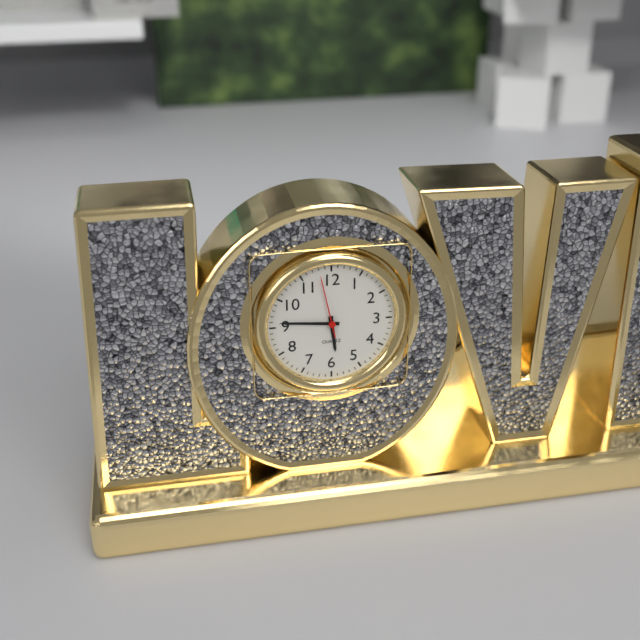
5h46m58s
